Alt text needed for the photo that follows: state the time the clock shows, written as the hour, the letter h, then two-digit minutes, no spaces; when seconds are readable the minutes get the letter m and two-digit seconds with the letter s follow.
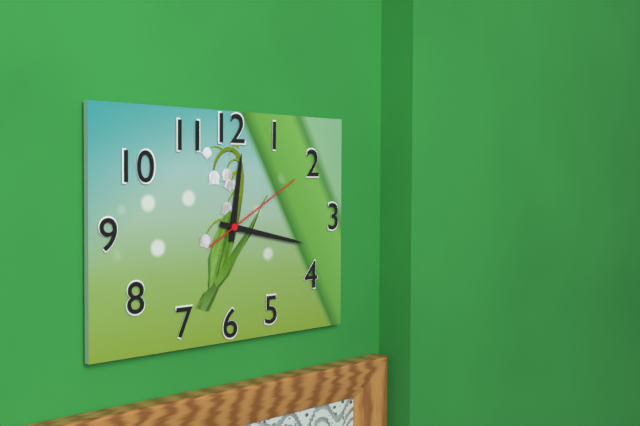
12h17m10s
